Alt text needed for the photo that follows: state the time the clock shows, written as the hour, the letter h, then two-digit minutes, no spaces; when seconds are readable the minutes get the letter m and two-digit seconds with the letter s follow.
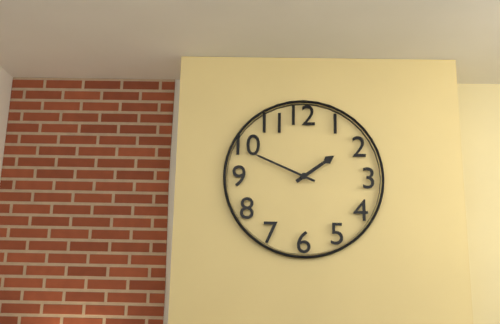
1h49
